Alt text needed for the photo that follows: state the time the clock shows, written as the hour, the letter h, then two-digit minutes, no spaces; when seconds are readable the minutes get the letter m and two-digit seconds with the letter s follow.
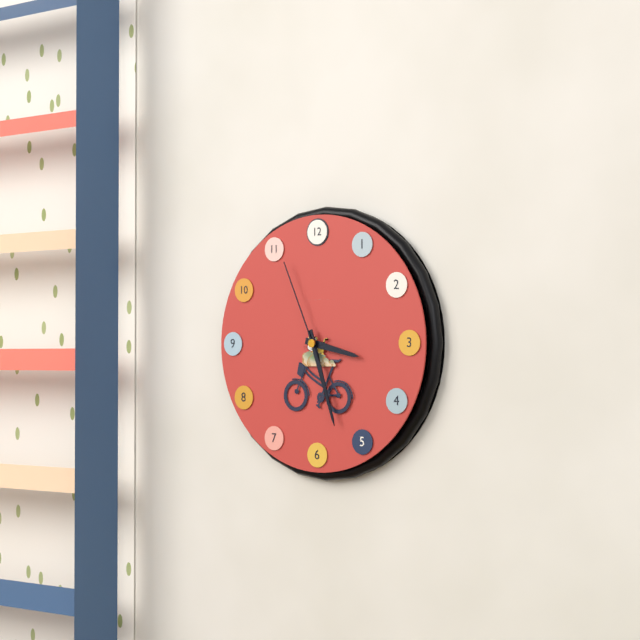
3h27m56s
